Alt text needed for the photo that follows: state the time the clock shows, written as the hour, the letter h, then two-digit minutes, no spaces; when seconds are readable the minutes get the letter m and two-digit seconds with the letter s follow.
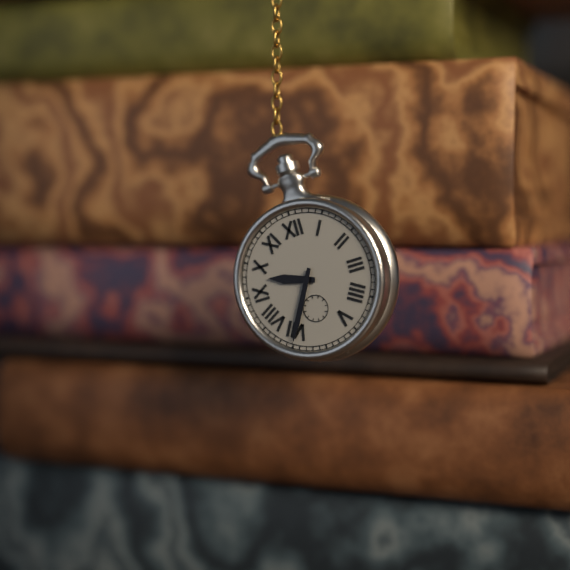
9h35
